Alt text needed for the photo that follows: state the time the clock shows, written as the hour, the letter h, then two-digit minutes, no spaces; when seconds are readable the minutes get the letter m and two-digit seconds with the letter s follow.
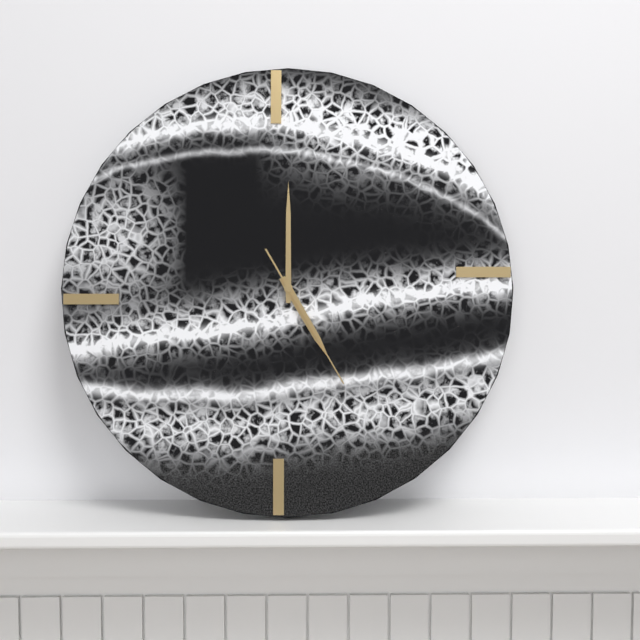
5h00m25s
